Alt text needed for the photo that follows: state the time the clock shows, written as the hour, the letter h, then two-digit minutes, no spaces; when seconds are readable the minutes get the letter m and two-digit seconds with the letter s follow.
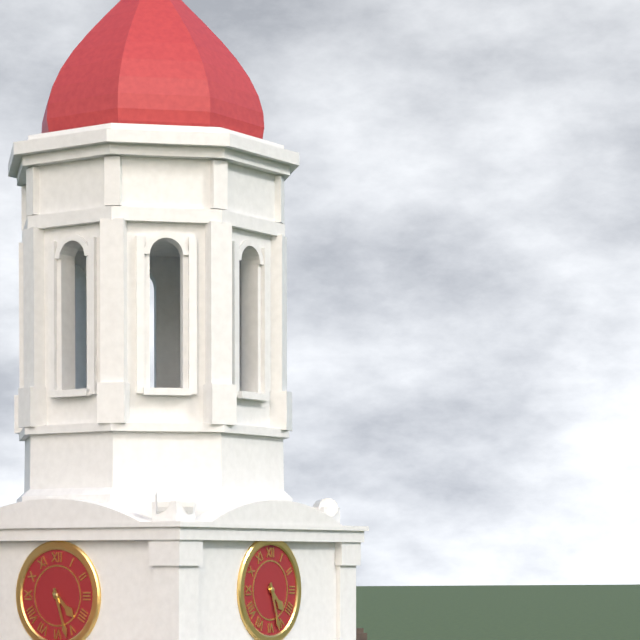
4h27
